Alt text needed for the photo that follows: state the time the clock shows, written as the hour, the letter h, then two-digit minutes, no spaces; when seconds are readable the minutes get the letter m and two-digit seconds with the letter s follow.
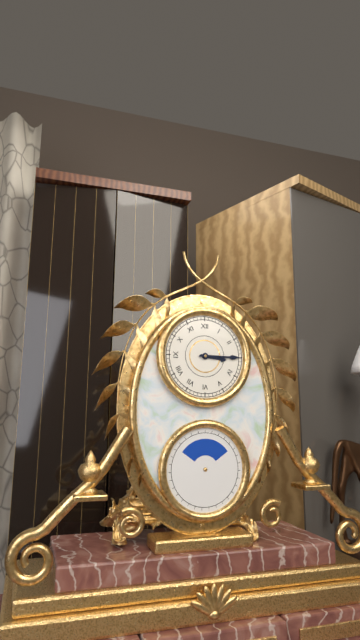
3h15
